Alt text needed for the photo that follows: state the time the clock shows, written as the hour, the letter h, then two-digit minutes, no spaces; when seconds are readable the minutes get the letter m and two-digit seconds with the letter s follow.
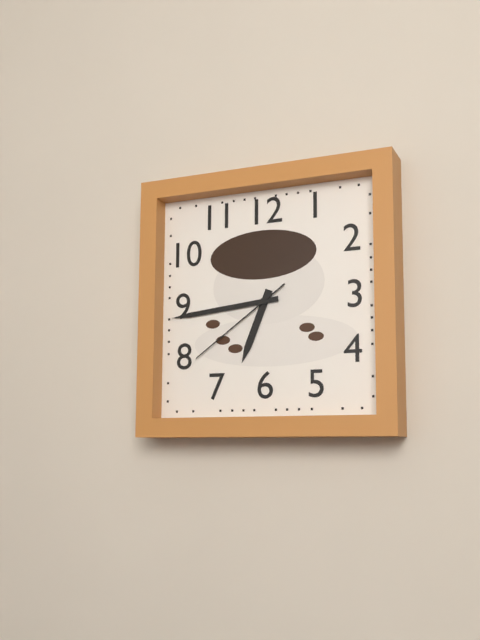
6h44m39s
